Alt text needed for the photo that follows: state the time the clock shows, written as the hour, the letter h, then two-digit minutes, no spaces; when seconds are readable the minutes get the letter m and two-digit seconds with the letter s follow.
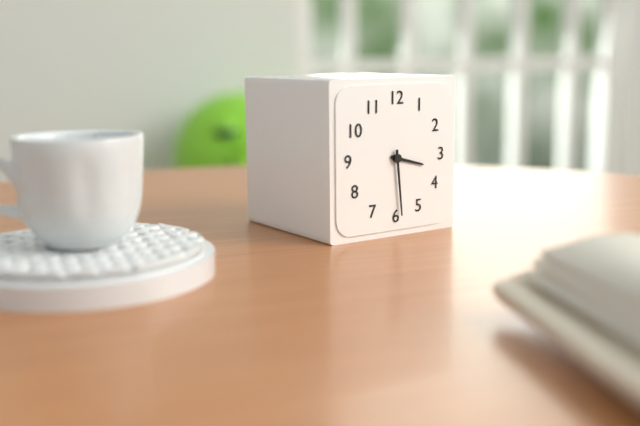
3h29
